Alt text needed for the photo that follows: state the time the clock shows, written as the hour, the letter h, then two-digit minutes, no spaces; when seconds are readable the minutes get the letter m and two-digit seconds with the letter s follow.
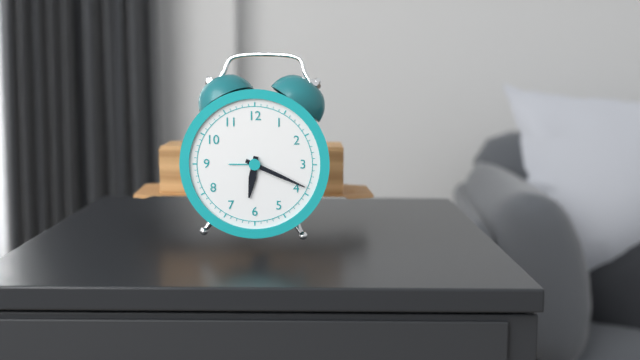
6h19
